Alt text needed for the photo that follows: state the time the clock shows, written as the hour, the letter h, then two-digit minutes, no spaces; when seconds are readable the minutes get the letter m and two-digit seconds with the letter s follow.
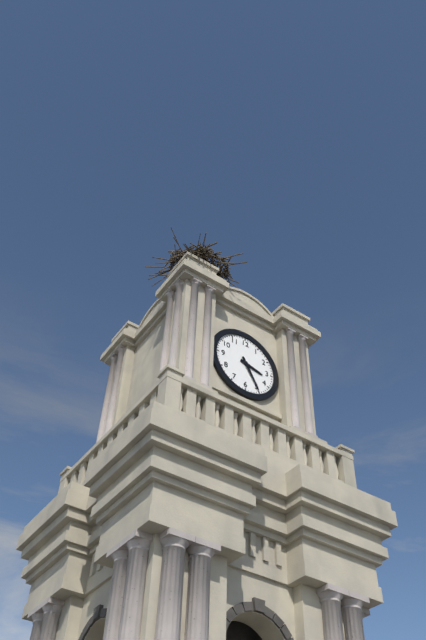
3h25
